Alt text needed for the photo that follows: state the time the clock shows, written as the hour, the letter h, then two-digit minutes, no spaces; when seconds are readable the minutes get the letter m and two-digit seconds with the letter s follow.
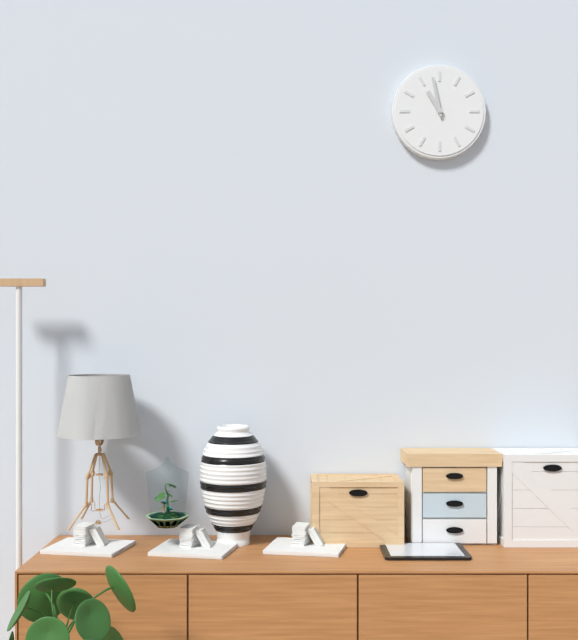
10h58
